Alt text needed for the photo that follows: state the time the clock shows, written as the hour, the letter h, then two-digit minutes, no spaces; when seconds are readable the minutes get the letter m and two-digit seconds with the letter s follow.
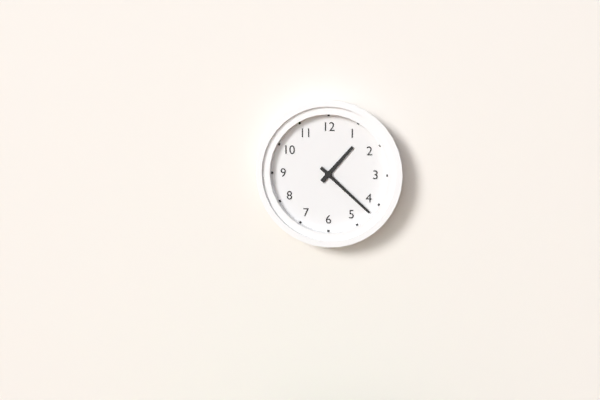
1h22
